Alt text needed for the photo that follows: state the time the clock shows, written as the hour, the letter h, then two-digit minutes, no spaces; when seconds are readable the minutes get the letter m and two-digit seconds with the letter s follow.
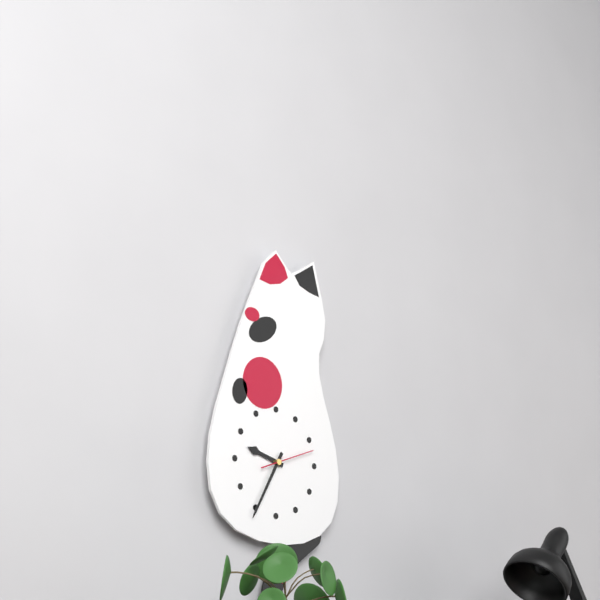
9h35
